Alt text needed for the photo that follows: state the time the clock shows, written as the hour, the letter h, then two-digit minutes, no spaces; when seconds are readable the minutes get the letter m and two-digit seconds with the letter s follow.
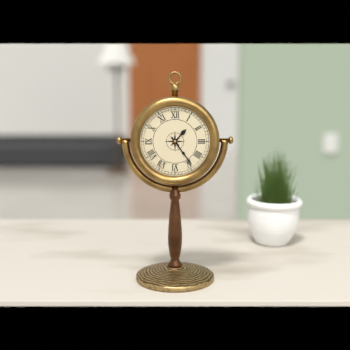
1h24
